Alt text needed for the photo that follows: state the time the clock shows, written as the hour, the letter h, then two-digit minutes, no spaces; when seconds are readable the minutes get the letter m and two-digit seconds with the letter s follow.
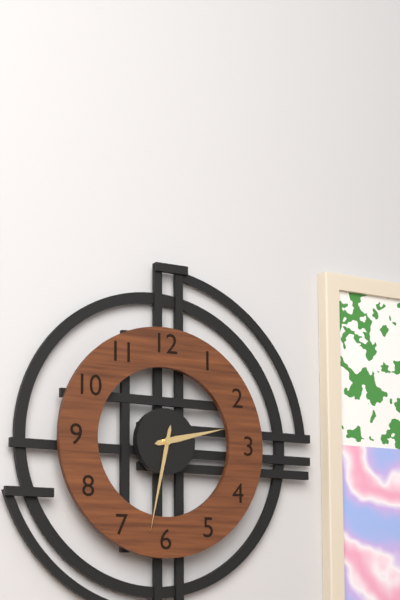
2h32
